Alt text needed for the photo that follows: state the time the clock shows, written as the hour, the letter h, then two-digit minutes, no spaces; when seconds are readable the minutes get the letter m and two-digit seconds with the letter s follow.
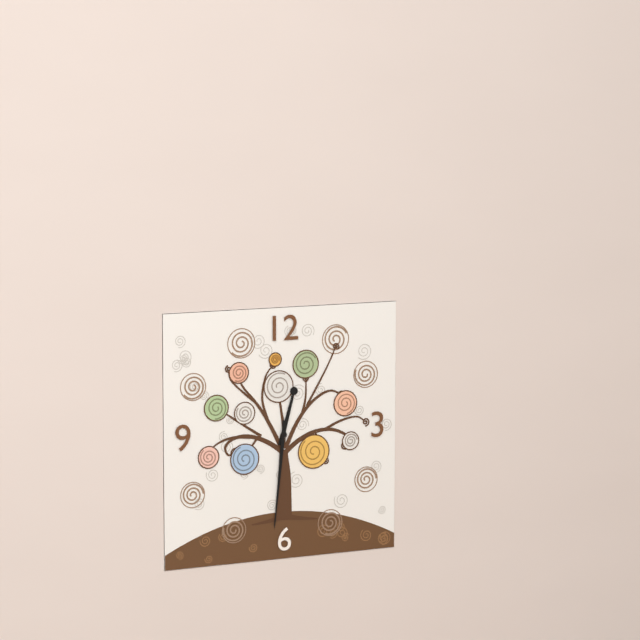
12h31
